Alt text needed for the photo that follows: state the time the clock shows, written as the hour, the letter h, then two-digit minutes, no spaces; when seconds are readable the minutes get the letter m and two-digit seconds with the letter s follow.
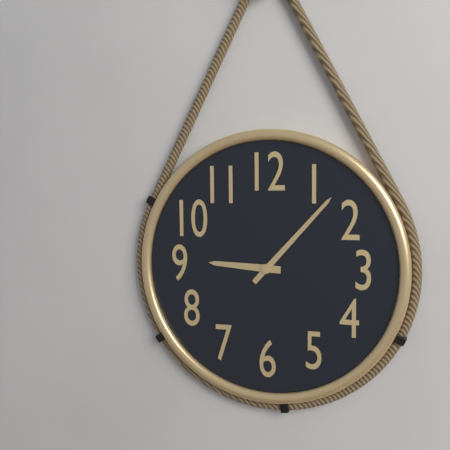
9h07
